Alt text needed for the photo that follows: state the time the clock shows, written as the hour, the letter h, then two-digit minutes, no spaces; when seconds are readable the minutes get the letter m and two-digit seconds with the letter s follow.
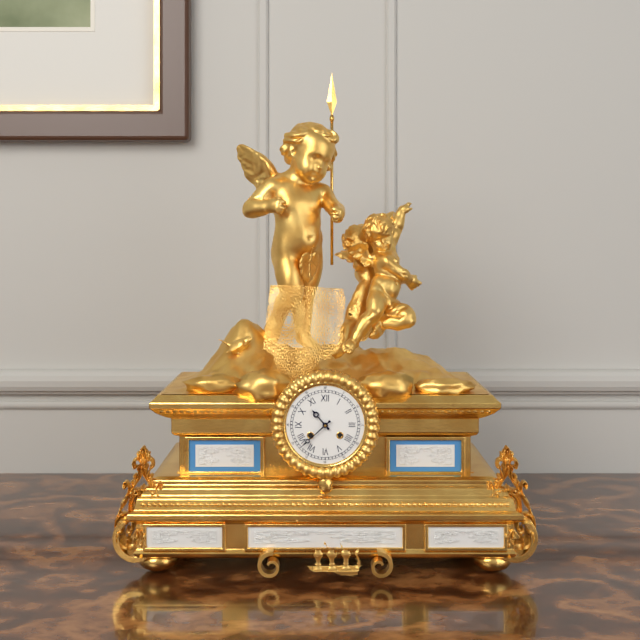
10h38
